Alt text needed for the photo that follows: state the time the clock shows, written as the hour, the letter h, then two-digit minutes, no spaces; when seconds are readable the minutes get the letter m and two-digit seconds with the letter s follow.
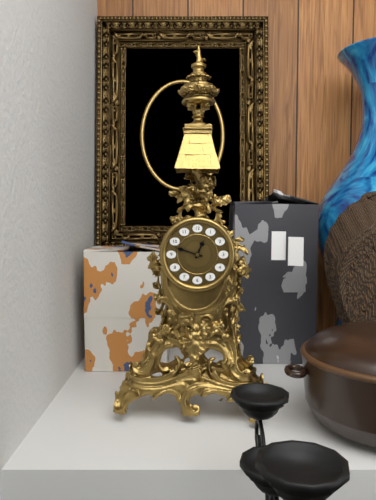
12h48
